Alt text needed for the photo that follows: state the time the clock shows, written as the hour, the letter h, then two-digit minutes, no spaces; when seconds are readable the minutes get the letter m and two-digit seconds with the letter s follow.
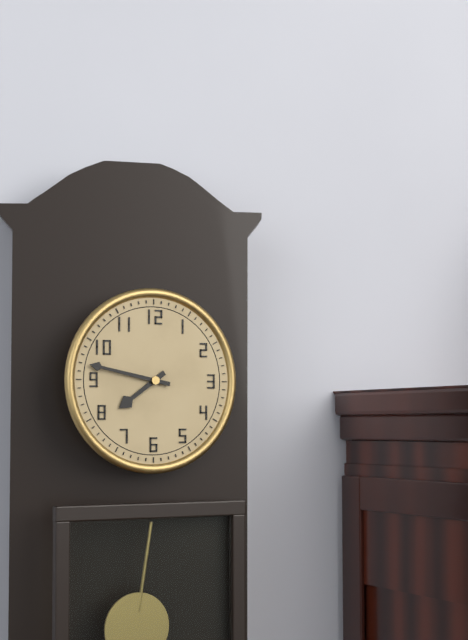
7h47
